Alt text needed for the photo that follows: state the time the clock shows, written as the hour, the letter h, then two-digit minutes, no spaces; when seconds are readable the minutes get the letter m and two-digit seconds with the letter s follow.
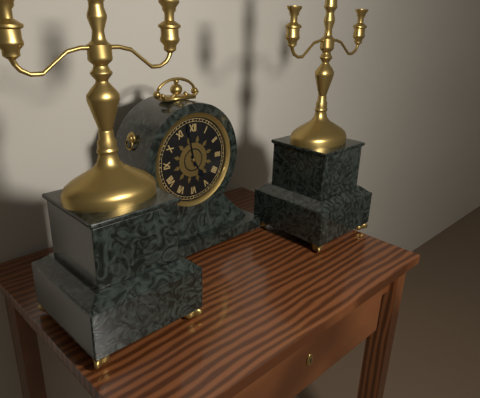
4h58
